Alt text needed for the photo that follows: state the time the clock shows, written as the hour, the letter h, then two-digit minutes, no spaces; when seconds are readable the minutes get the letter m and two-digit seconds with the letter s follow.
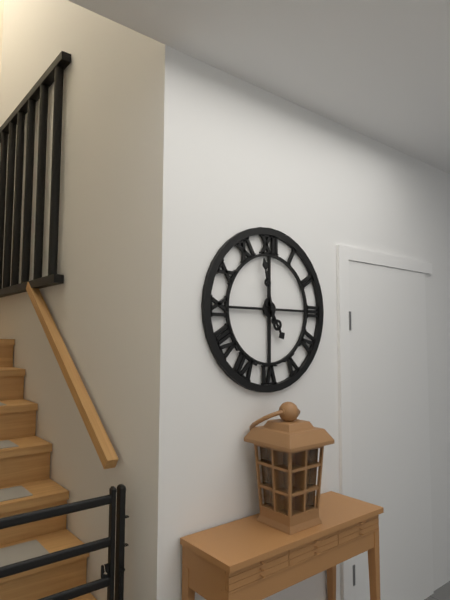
4h58
